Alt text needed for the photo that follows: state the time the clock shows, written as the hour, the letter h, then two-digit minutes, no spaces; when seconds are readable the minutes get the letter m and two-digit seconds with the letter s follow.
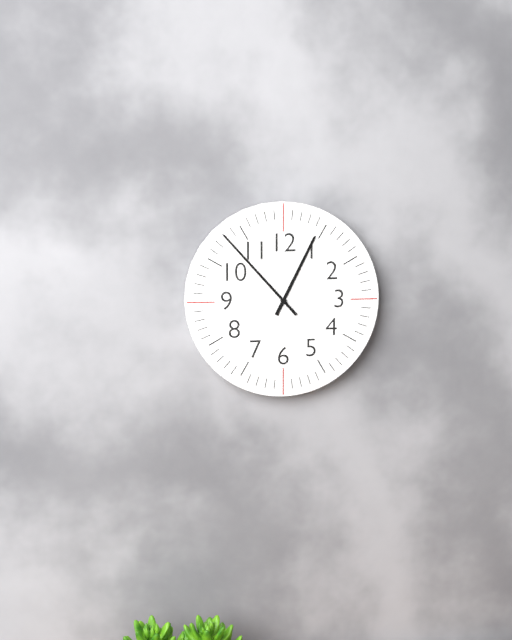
12h53
